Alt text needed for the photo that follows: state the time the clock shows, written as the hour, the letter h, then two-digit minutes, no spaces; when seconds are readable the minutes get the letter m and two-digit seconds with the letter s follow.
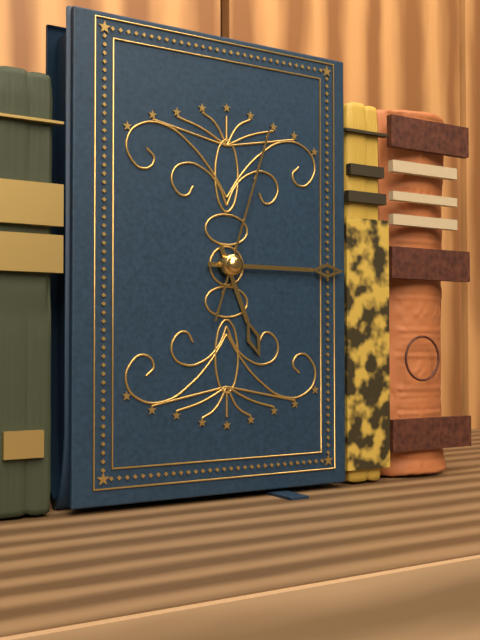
5h15m03s
